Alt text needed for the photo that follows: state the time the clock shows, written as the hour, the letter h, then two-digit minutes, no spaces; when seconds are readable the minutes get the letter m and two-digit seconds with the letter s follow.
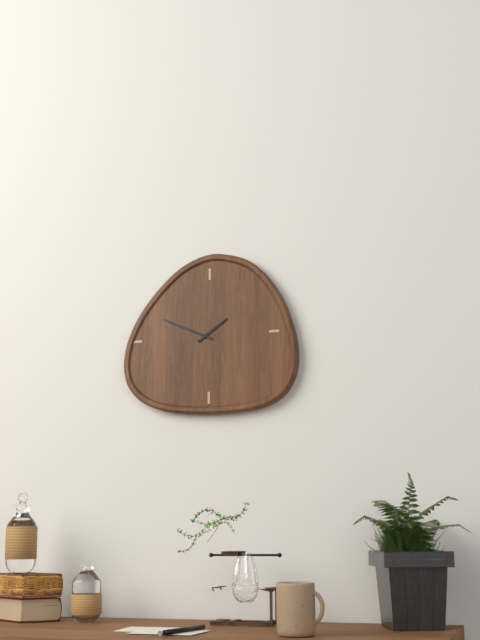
1h49
